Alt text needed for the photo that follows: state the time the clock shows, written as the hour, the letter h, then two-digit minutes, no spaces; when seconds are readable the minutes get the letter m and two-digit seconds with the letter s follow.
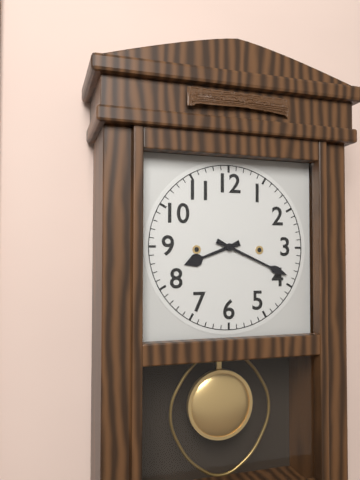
8h19
